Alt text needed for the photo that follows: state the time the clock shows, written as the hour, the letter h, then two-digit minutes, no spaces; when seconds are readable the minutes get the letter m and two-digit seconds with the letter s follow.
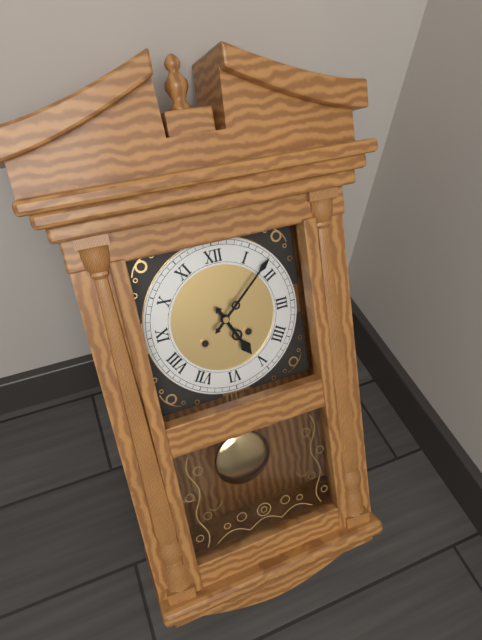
5h08
